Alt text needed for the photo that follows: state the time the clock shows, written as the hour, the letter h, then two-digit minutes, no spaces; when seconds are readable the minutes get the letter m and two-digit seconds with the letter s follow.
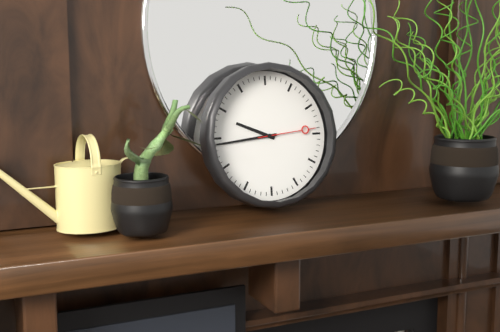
9h44m14s
